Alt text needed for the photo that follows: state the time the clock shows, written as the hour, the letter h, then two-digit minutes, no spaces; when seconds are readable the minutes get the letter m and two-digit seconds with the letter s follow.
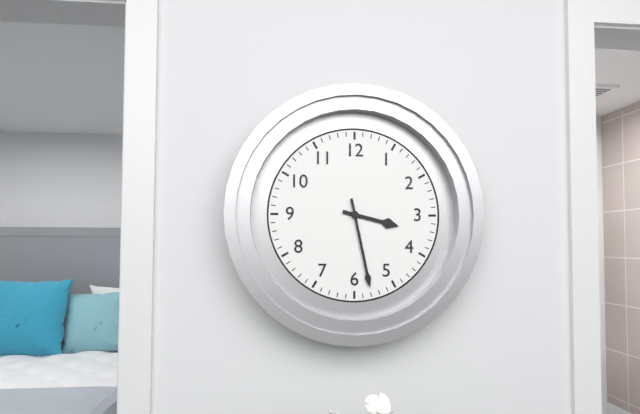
3h28
